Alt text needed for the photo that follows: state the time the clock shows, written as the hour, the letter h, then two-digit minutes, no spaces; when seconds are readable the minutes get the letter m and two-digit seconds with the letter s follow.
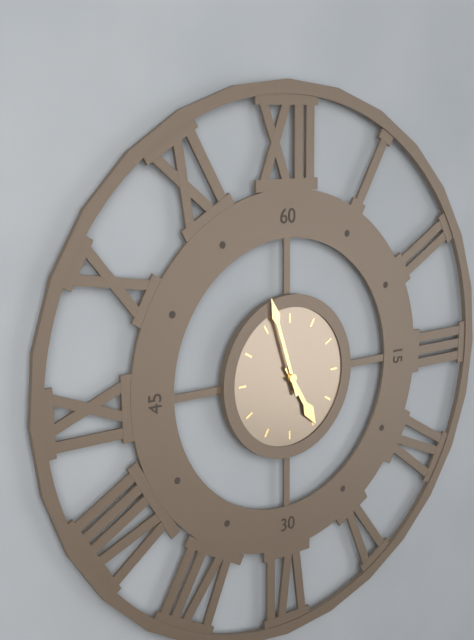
4h57
